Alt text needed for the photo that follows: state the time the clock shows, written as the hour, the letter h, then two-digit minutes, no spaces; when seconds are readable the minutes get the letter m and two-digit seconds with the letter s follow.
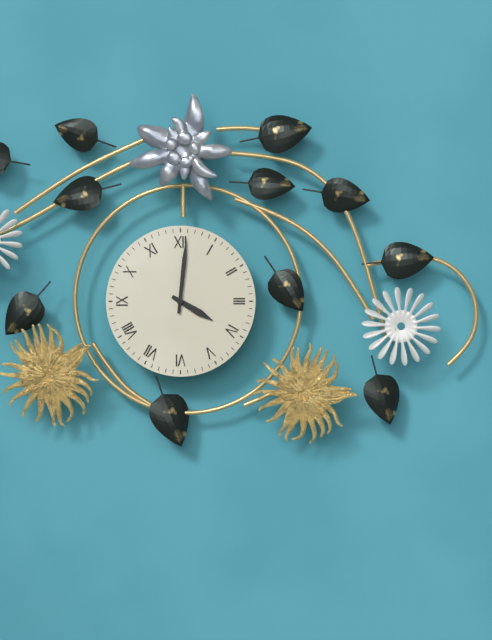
4h01
